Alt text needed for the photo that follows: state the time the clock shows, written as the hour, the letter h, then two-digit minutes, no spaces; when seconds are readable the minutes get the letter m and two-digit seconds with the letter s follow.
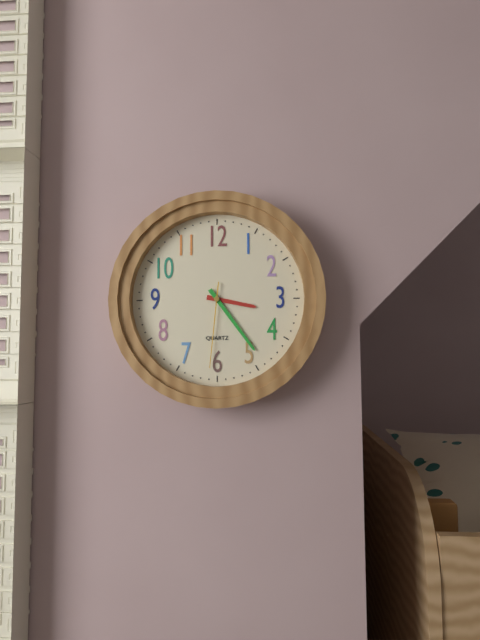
3h24m31s
